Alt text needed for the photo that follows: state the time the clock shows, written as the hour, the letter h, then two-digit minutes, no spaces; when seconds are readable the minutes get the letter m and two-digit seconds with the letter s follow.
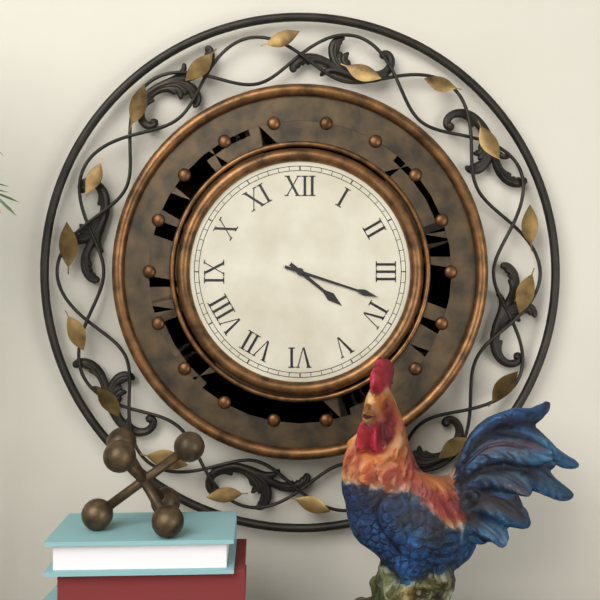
4h18
